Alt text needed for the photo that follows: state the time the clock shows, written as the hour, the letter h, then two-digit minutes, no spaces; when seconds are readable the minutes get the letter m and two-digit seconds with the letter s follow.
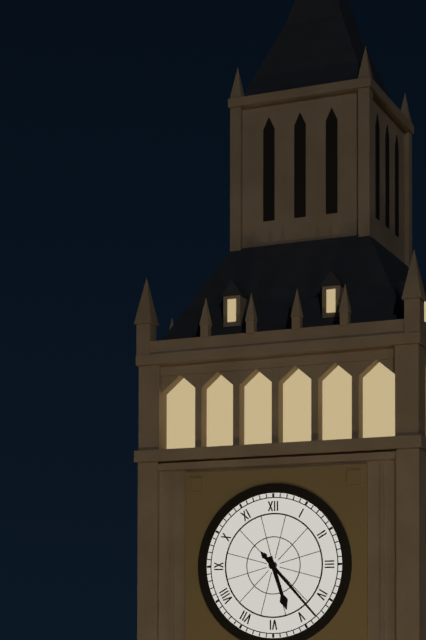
5h23
